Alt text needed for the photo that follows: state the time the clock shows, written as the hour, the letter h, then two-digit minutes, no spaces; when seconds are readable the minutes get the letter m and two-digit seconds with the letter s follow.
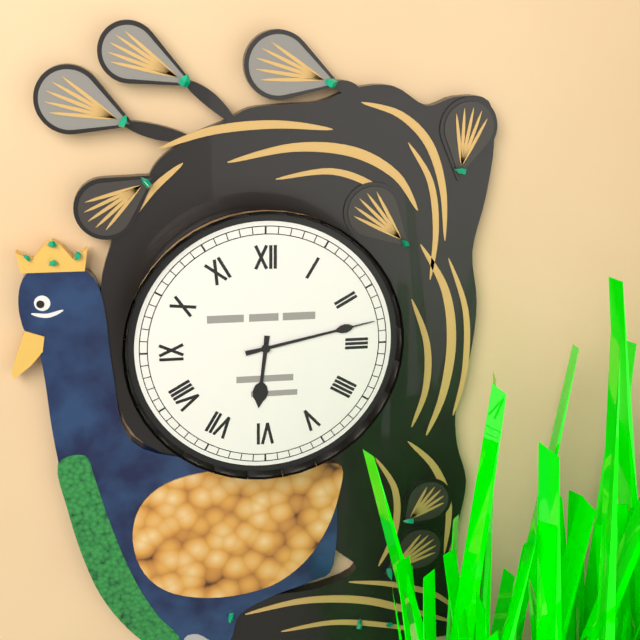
6h13
